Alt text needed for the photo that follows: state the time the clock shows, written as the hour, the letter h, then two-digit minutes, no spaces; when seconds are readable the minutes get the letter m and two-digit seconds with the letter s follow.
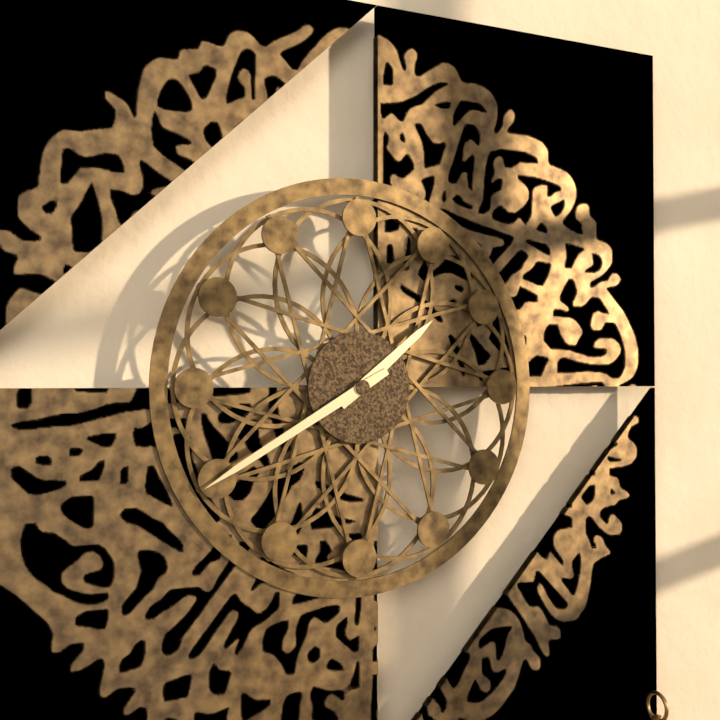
1h40
